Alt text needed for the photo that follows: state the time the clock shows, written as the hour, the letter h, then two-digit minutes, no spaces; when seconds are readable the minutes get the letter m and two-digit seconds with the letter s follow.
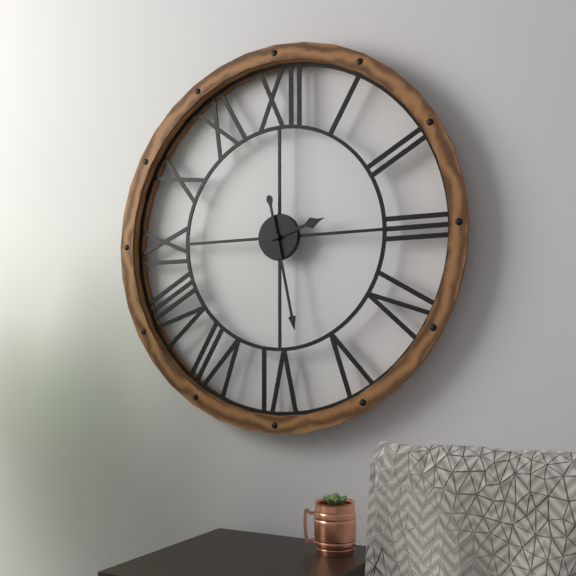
2h28
